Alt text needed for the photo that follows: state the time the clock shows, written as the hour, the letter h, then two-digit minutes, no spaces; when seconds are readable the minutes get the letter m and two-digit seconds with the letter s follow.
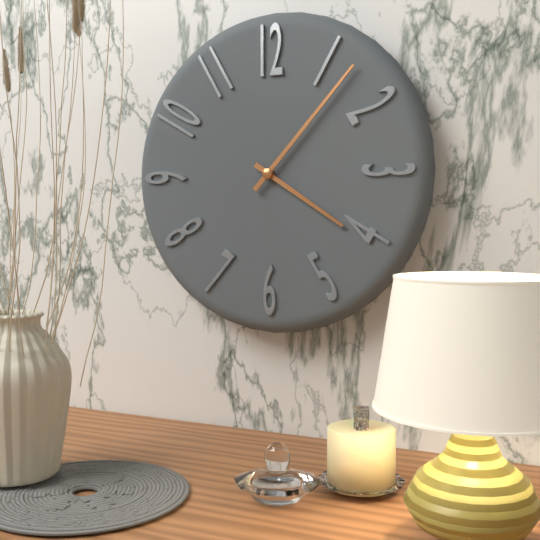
4h07
